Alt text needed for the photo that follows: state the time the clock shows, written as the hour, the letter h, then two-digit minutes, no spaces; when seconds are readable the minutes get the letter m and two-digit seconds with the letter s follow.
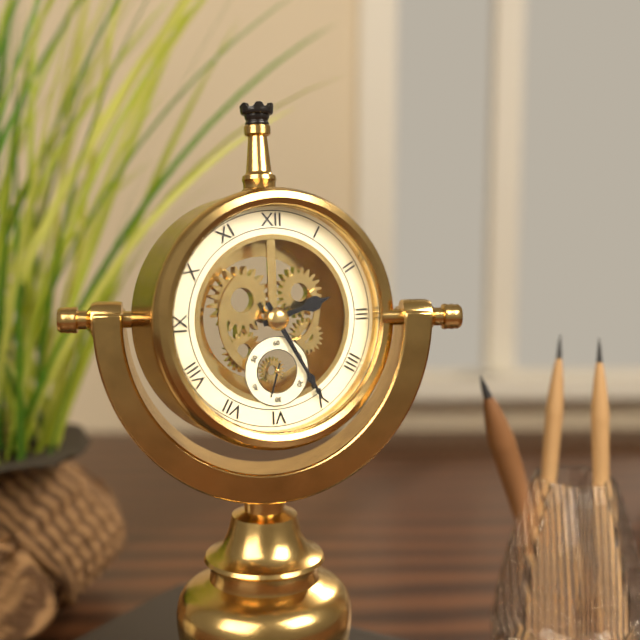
2h25
